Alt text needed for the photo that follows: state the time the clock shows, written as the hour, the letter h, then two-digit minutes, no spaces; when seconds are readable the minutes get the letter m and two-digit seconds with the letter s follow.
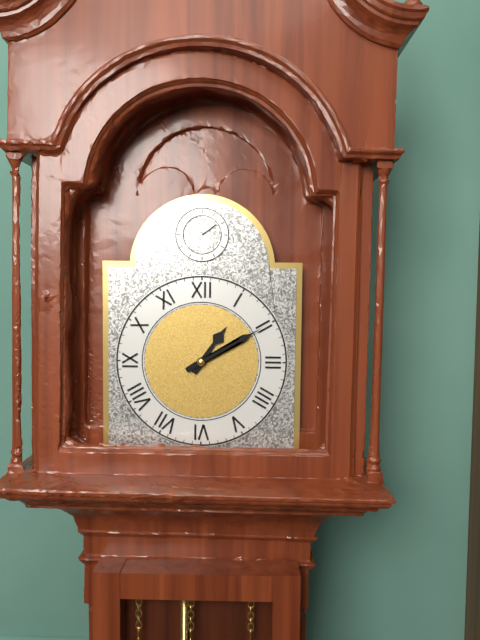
1h10
